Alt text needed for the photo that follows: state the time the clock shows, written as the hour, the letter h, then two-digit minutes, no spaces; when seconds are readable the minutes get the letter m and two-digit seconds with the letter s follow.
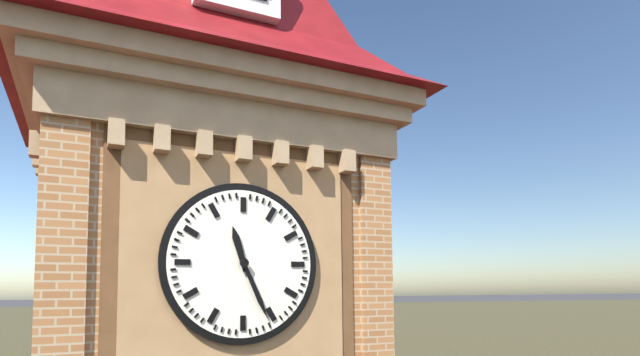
11h26
